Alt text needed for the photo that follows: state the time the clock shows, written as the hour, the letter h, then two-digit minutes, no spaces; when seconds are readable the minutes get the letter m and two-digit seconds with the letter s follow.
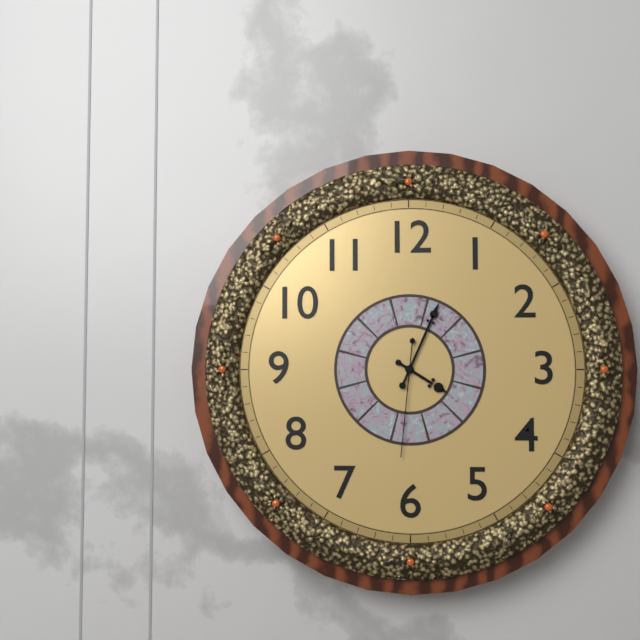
4h04m31s
